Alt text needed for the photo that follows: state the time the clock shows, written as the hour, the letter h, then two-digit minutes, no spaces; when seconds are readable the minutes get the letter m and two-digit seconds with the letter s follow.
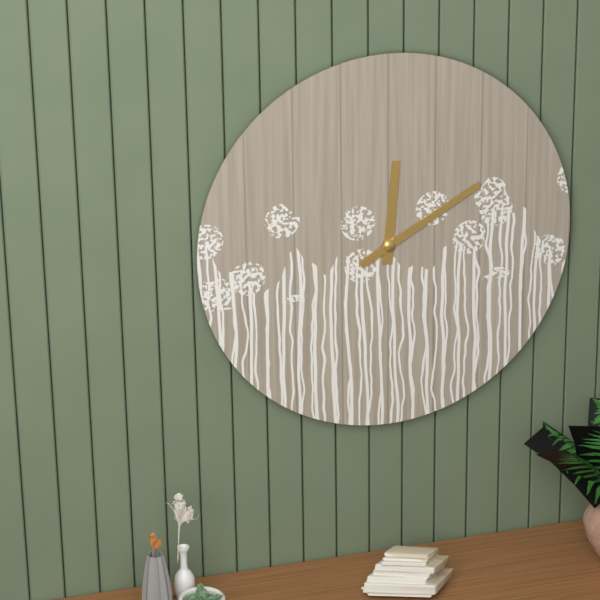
12h10
